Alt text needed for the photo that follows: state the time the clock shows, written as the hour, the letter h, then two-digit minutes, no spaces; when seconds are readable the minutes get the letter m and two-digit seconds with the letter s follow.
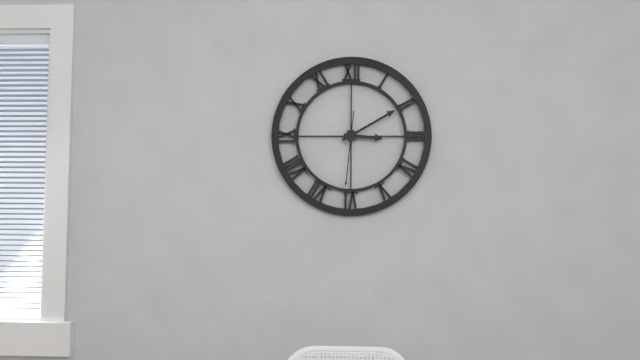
3h10m31s
